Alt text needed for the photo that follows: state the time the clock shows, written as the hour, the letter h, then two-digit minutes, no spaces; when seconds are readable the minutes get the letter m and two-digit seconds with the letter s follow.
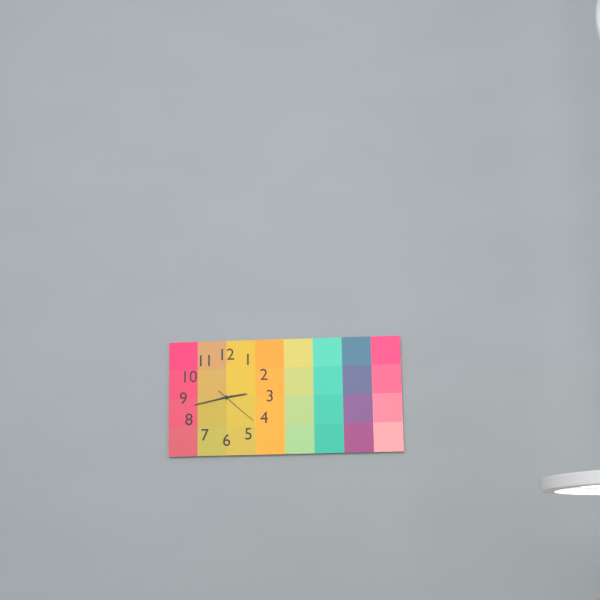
2h43
